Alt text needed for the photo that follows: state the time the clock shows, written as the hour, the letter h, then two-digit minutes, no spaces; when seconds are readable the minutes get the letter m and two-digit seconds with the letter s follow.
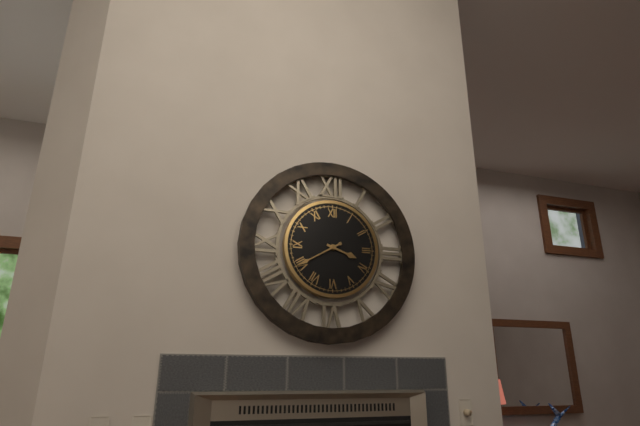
3h40
